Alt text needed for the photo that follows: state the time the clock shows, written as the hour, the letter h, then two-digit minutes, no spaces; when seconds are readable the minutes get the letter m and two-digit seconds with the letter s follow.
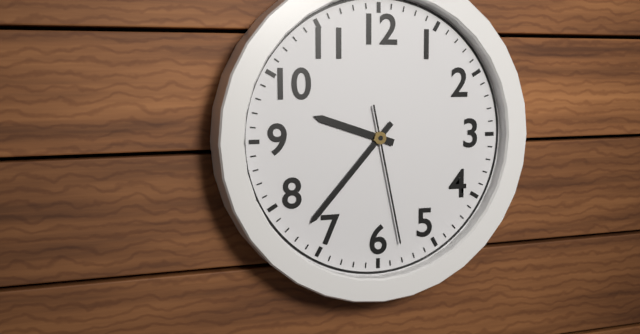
9h37m28s
